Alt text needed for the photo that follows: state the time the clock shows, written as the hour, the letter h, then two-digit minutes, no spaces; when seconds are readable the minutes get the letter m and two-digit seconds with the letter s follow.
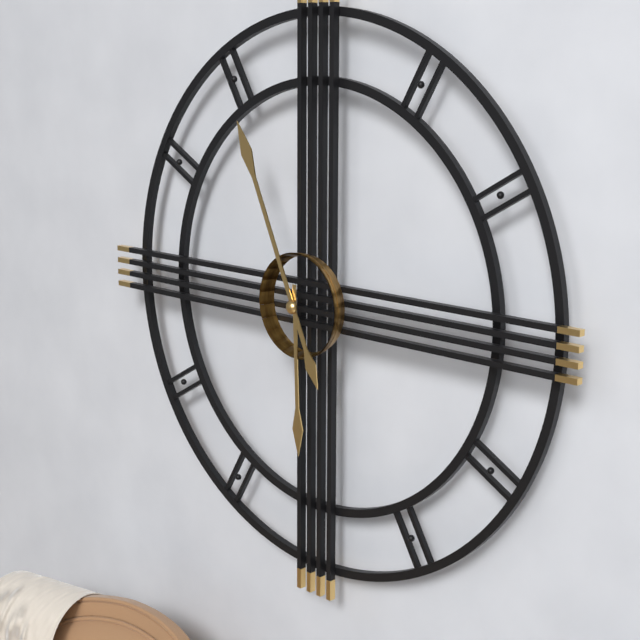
5h56
